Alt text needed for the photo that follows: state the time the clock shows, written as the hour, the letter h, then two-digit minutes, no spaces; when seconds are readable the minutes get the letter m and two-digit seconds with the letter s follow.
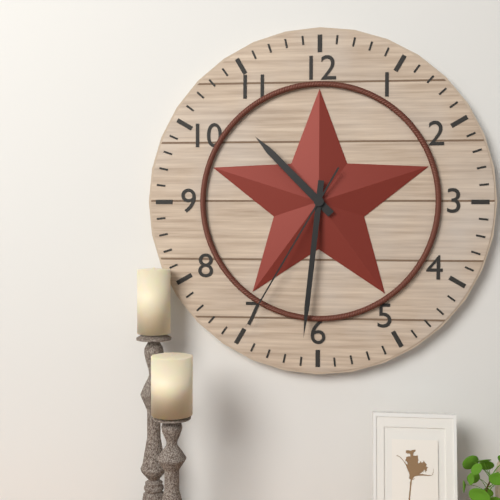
10h31m35s
